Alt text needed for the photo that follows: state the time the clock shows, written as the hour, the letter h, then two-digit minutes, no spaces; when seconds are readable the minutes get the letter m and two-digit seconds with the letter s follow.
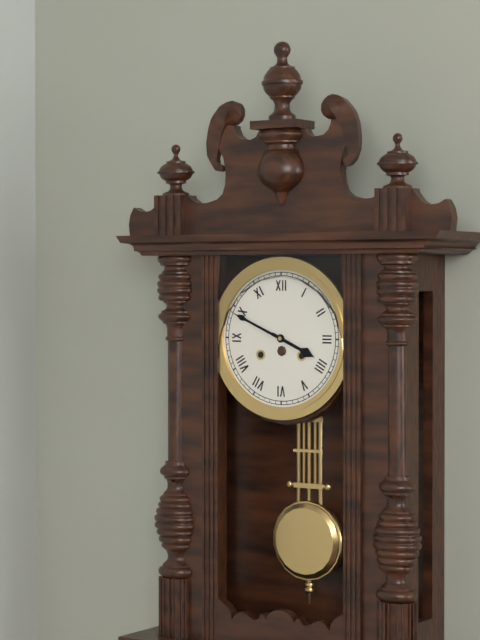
3h49
